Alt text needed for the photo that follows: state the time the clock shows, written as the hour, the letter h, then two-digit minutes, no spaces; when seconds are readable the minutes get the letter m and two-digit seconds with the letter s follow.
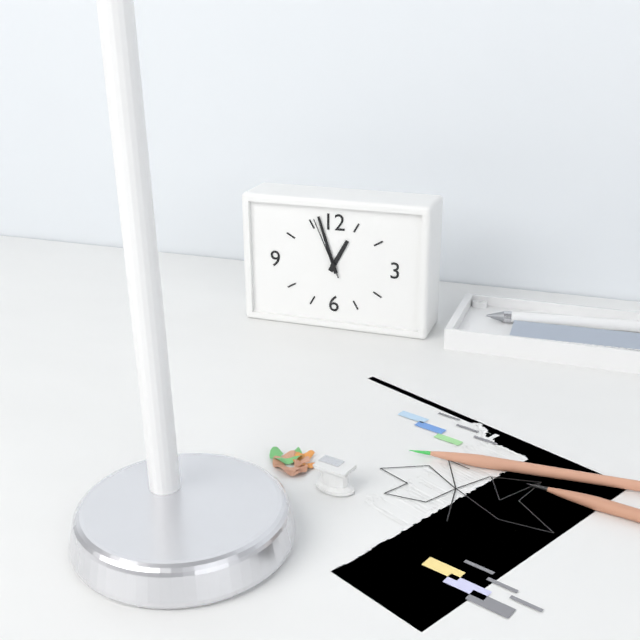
12h57m56s
